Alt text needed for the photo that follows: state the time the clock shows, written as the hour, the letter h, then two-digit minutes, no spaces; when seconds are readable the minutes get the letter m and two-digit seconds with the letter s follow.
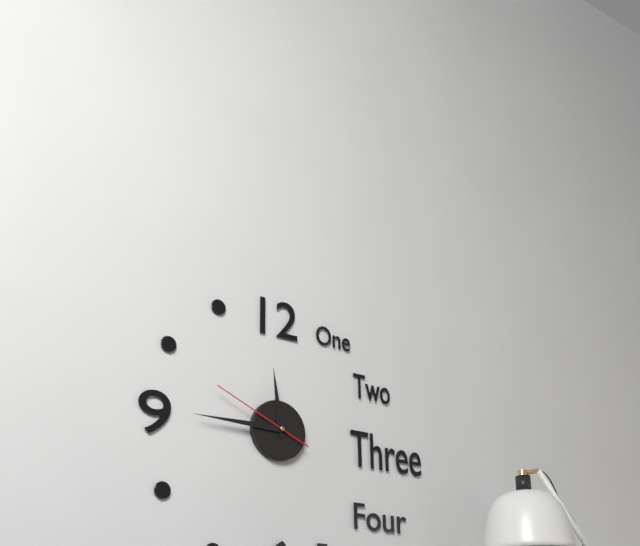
11h45m49s
